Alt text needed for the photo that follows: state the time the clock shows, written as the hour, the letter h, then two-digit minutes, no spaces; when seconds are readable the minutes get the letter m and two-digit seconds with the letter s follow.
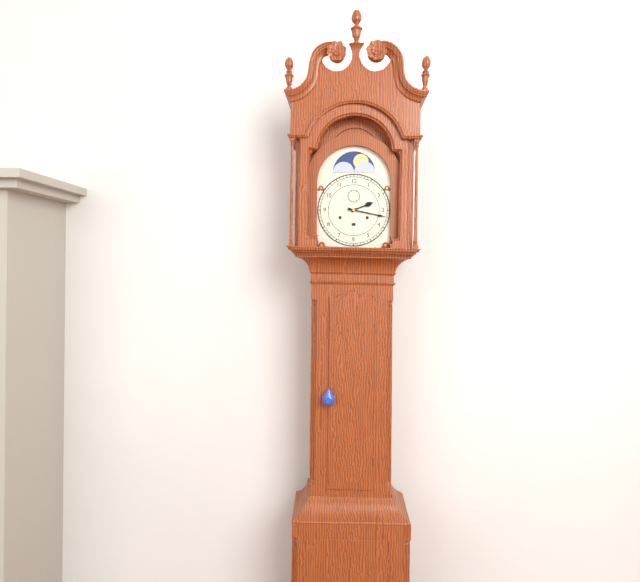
2h17
